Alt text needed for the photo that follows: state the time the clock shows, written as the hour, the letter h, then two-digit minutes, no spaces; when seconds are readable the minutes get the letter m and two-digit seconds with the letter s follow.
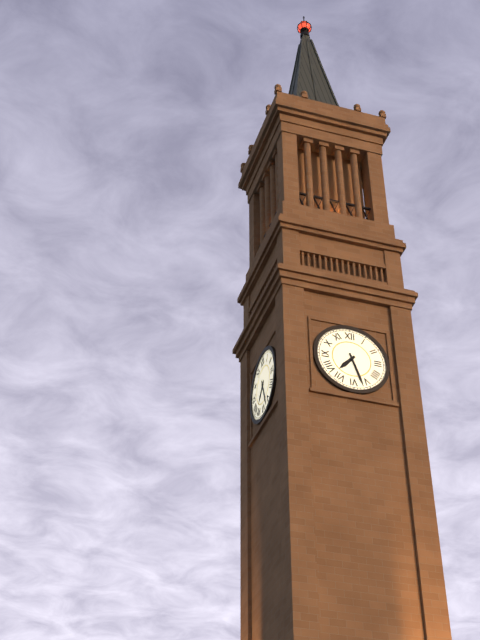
7h27
